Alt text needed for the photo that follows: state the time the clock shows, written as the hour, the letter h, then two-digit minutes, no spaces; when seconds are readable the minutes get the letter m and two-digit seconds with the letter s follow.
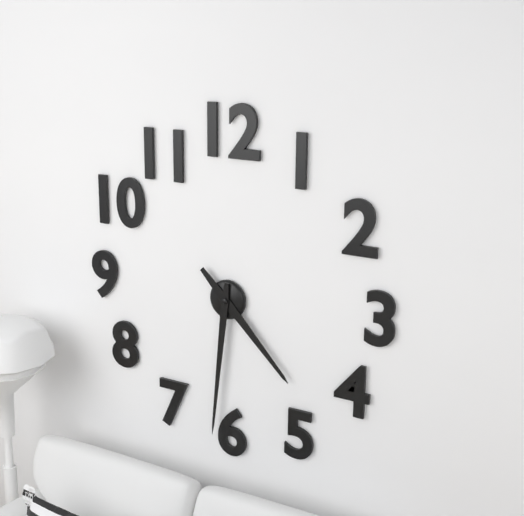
4h31
